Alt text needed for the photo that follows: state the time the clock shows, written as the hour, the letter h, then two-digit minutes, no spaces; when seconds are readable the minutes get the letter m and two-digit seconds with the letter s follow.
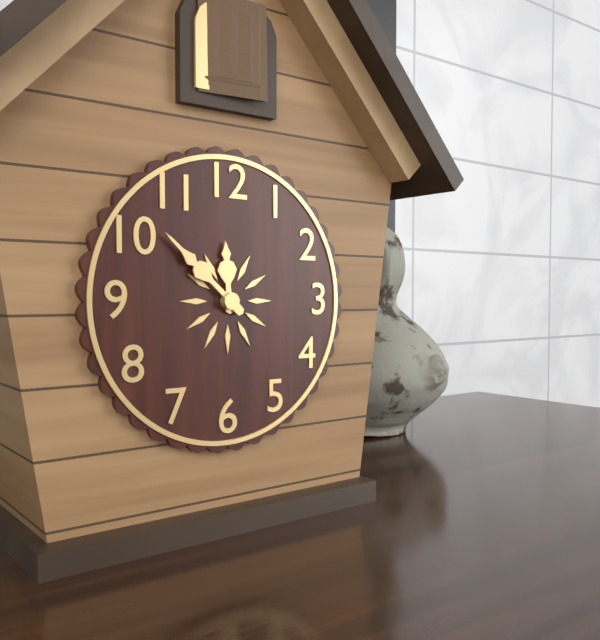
11h52
